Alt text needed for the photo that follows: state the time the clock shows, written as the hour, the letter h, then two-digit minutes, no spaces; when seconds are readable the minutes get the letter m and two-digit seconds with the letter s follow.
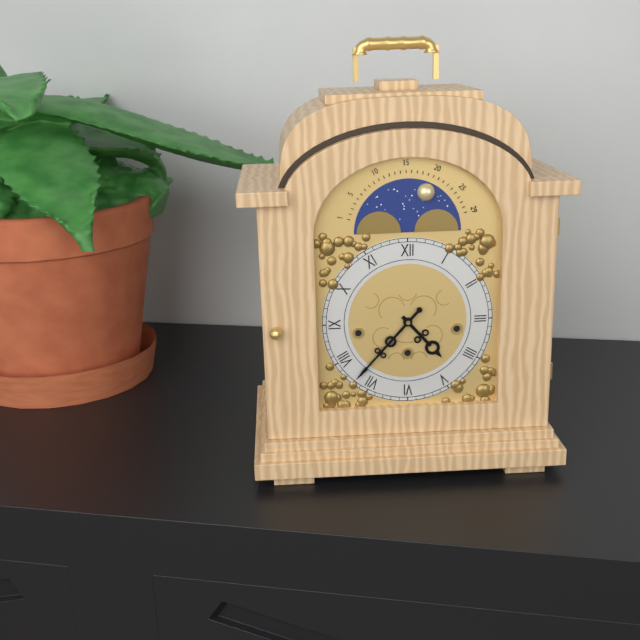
4h37
